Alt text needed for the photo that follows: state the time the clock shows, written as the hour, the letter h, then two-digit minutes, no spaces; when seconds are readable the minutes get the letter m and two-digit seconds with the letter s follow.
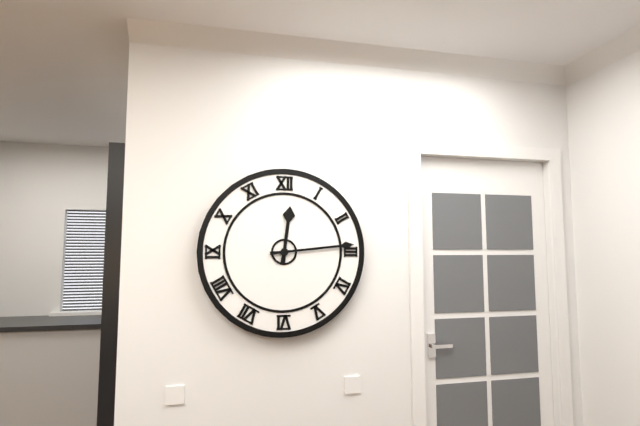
12h14
